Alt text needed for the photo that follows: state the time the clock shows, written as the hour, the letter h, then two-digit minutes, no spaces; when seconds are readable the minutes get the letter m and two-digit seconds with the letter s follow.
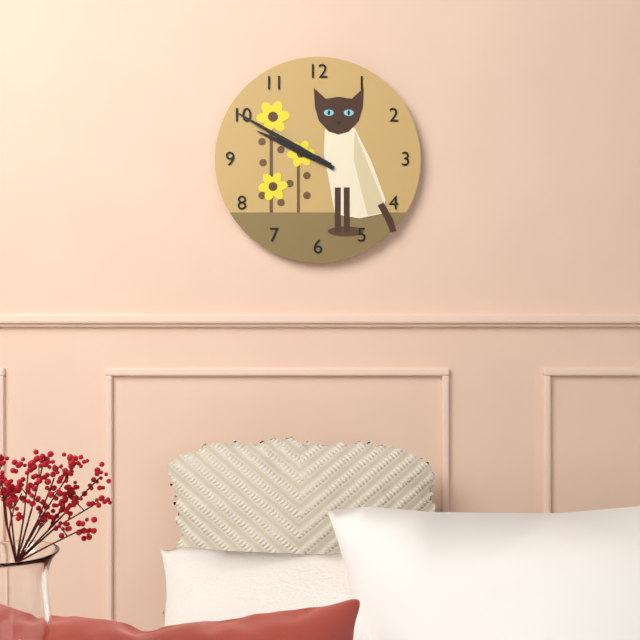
9h50
